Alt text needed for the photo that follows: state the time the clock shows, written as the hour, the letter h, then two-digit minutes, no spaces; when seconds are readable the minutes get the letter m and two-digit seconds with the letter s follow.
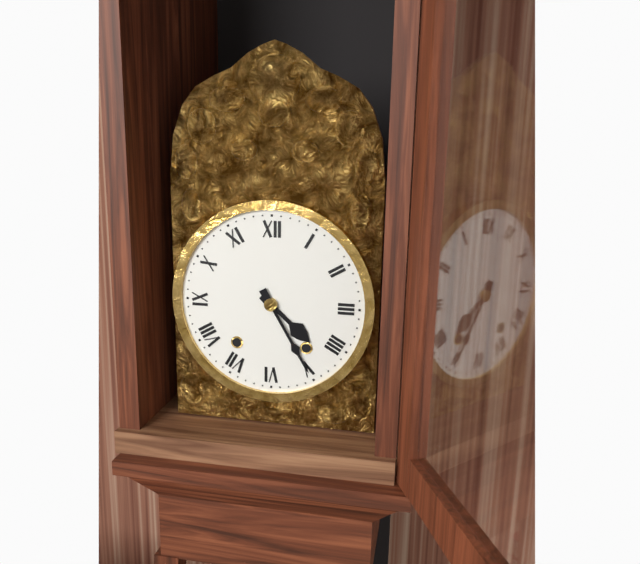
4h25
